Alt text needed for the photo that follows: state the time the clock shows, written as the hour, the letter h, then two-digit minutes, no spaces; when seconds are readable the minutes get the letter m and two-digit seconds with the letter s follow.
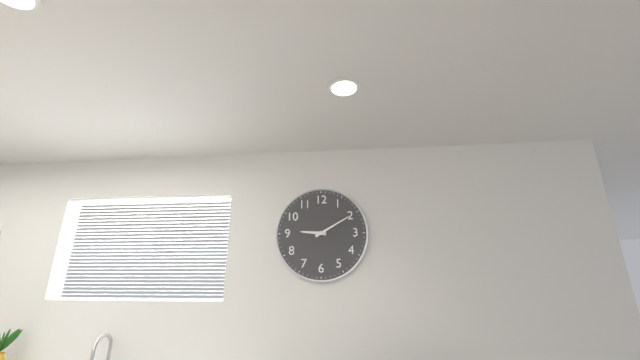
9h10
